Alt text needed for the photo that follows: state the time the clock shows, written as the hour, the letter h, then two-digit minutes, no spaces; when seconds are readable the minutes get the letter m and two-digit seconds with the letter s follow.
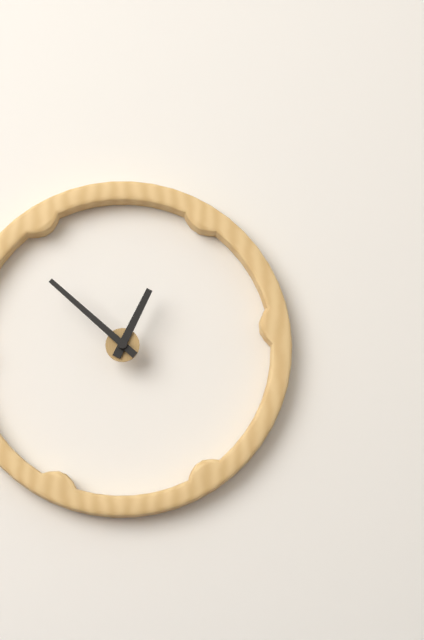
12h52
